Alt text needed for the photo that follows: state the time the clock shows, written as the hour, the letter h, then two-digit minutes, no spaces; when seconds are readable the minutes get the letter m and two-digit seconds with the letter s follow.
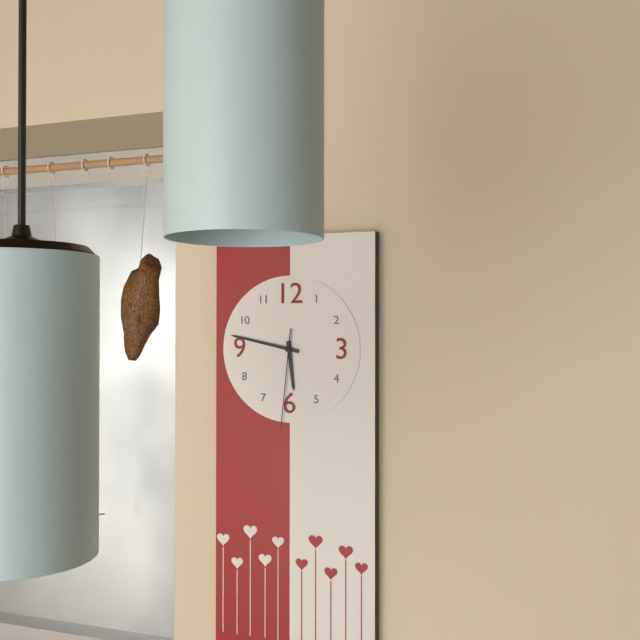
5h47m31s
